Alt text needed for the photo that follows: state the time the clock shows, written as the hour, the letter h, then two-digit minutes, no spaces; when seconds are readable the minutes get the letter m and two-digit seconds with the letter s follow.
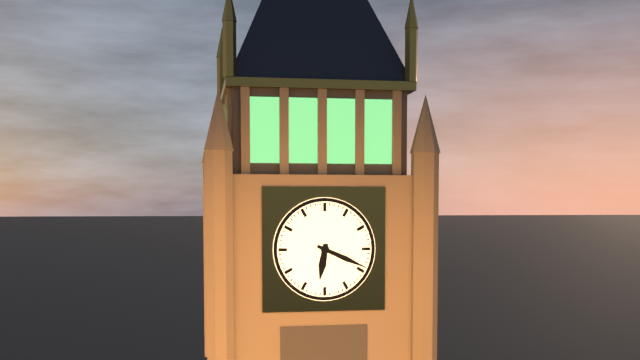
6h19
